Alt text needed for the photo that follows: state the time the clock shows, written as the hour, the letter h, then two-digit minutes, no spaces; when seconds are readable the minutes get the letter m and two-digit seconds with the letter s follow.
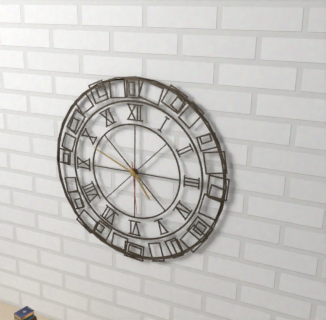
4h49m29s
